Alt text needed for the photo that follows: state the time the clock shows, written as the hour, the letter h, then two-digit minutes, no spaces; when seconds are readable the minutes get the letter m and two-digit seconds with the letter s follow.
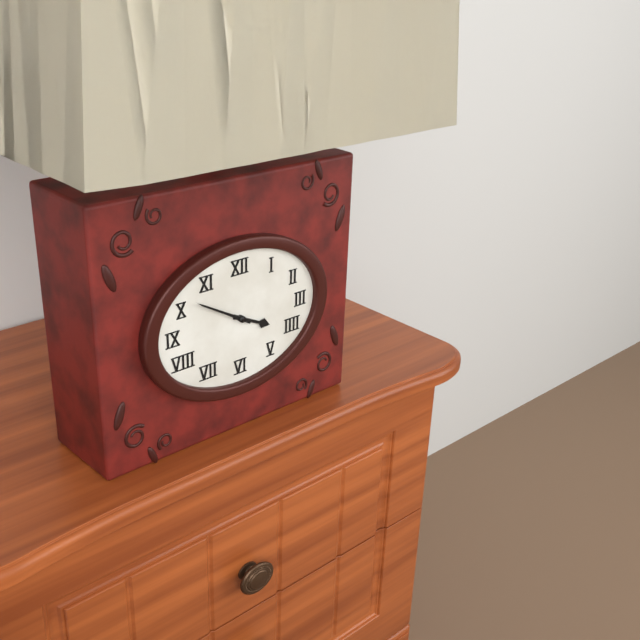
3h50
